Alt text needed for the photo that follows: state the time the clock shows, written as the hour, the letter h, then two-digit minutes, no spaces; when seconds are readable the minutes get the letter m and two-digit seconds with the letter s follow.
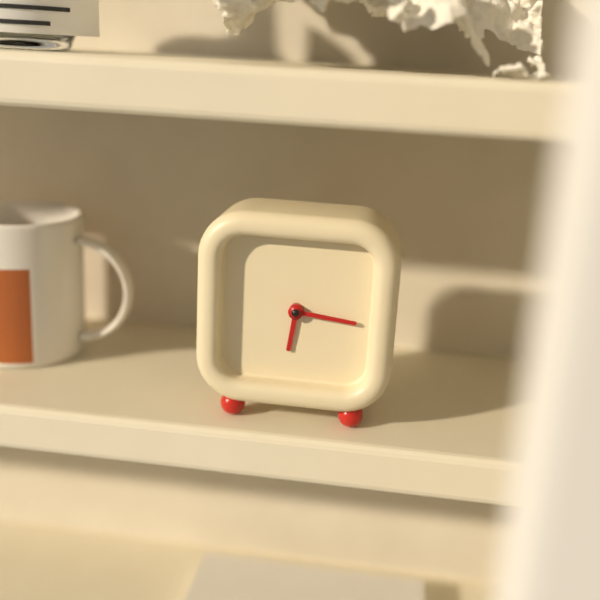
6h16
